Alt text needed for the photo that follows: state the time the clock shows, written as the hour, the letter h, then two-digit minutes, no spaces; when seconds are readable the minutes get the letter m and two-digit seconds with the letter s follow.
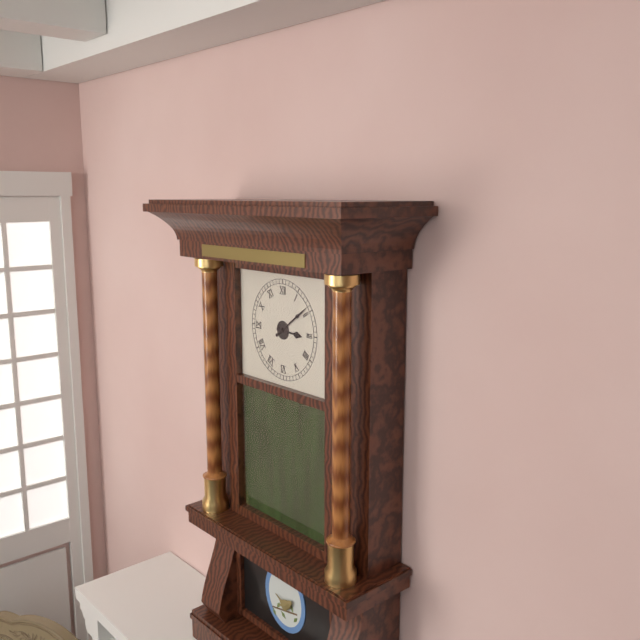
3h09
